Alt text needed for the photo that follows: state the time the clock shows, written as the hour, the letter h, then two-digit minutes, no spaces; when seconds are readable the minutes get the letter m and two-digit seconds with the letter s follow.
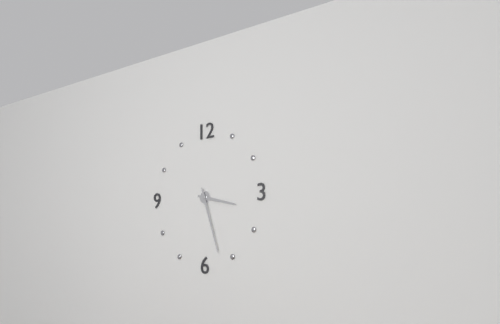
3h27
